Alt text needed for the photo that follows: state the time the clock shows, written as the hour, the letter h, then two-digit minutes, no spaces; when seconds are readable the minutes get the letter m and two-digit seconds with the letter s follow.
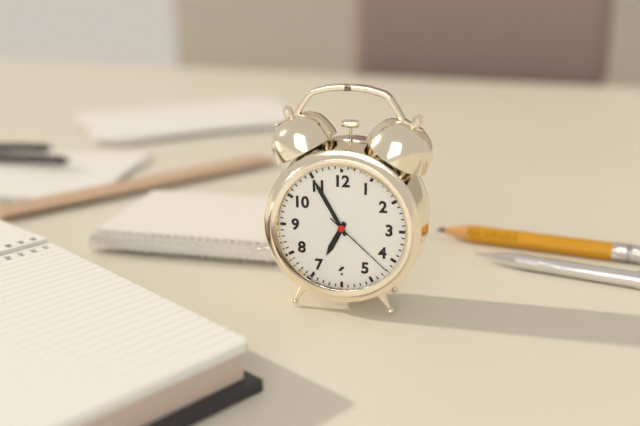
6h55m22s
